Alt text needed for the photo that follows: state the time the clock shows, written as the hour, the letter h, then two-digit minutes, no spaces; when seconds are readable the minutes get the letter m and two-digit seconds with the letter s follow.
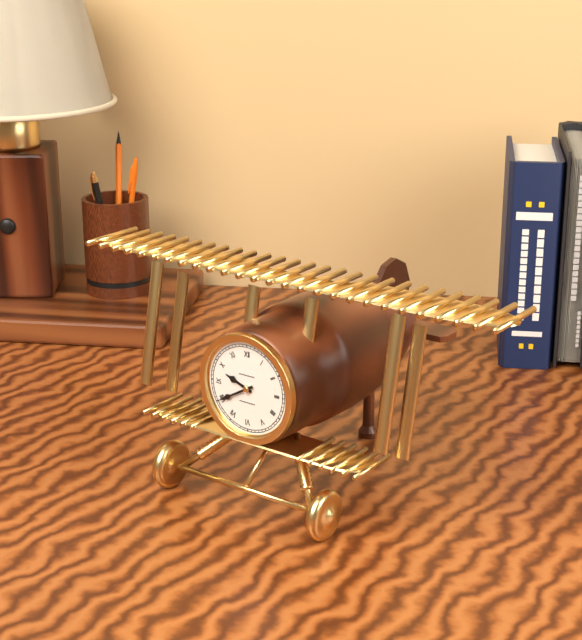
9h40
